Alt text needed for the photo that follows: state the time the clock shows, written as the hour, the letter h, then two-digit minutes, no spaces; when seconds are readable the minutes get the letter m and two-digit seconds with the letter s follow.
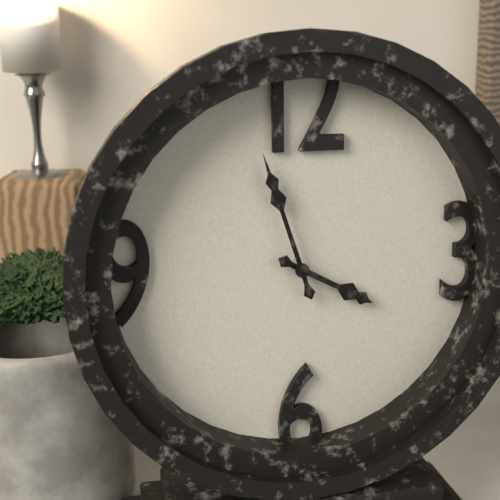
3h57
